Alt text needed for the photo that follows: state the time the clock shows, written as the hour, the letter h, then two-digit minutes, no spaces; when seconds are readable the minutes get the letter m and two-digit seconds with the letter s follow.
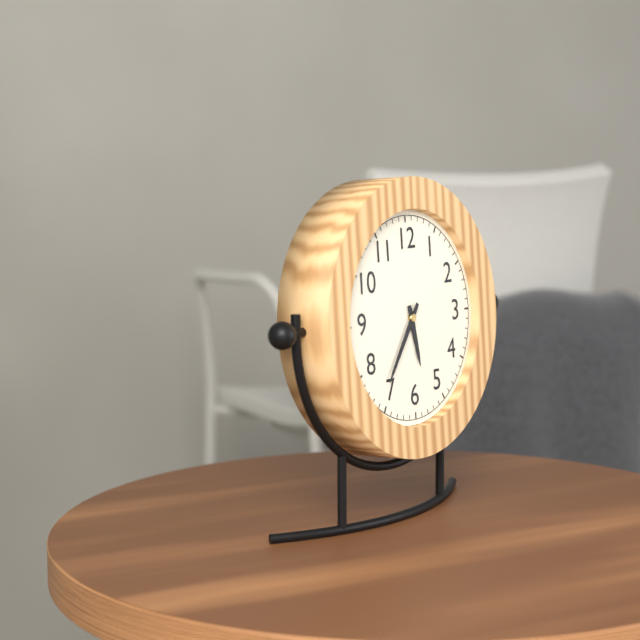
5h36
